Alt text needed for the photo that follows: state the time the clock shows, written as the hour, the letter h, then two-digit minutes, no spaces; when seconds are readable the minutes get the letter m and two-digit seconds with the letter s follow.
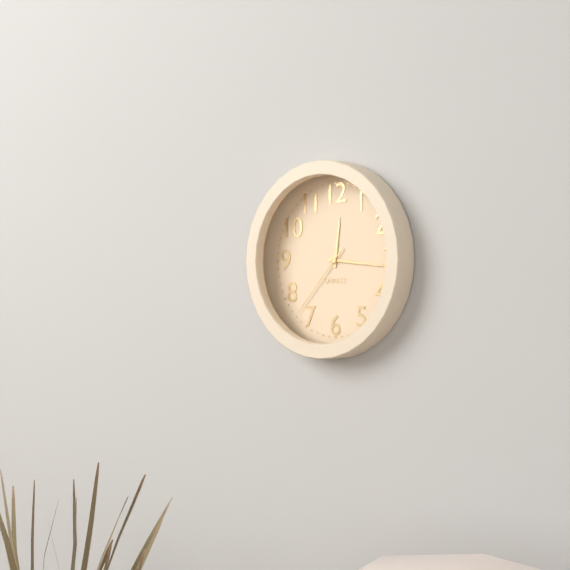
12h16m37s
